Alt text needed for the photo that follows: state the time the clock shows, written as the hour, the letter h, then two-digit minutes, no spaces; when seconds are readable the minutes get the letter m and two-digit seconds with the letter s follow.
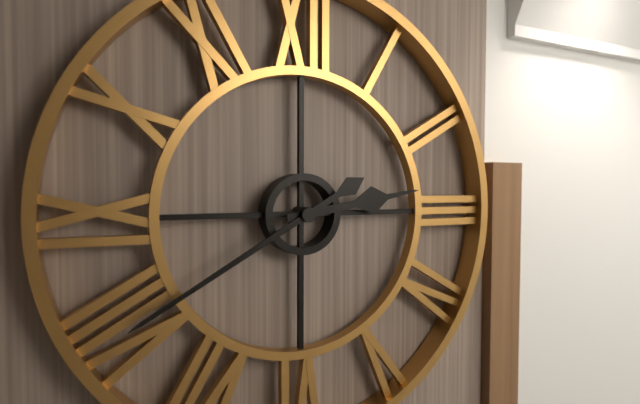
2h40
